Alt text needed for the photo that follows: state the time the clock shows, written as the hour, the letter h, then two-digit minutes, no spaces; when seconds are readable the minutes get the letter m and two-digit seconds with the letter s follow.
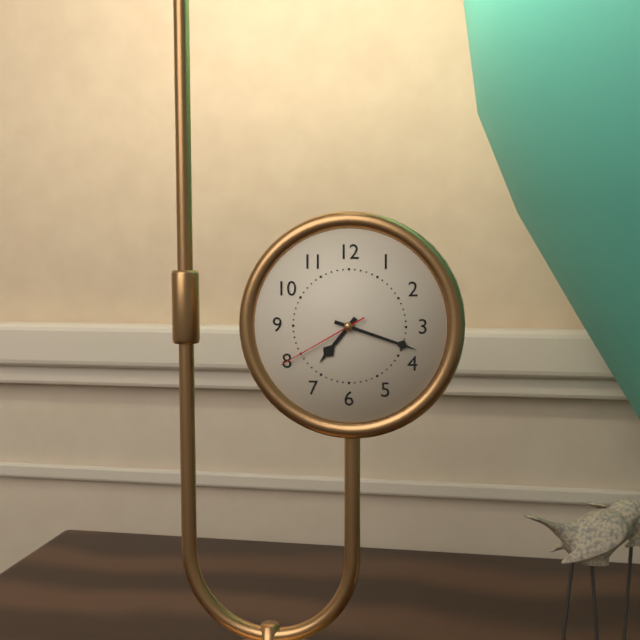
7h18m40s
